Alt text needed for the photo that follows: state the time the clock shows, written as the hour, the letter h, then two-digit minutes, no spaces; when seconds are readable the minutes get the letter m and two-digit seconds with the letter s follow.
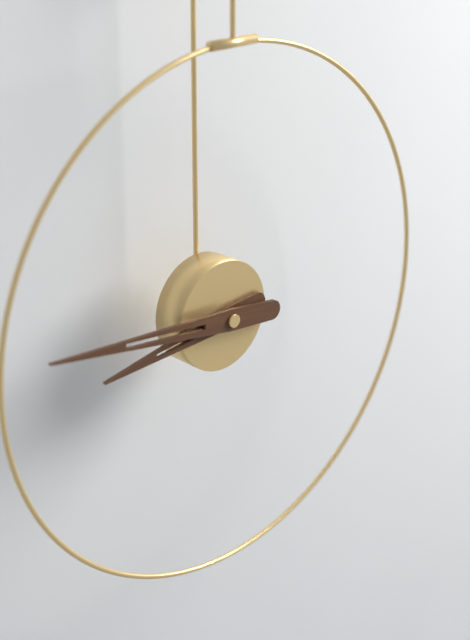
8h46
